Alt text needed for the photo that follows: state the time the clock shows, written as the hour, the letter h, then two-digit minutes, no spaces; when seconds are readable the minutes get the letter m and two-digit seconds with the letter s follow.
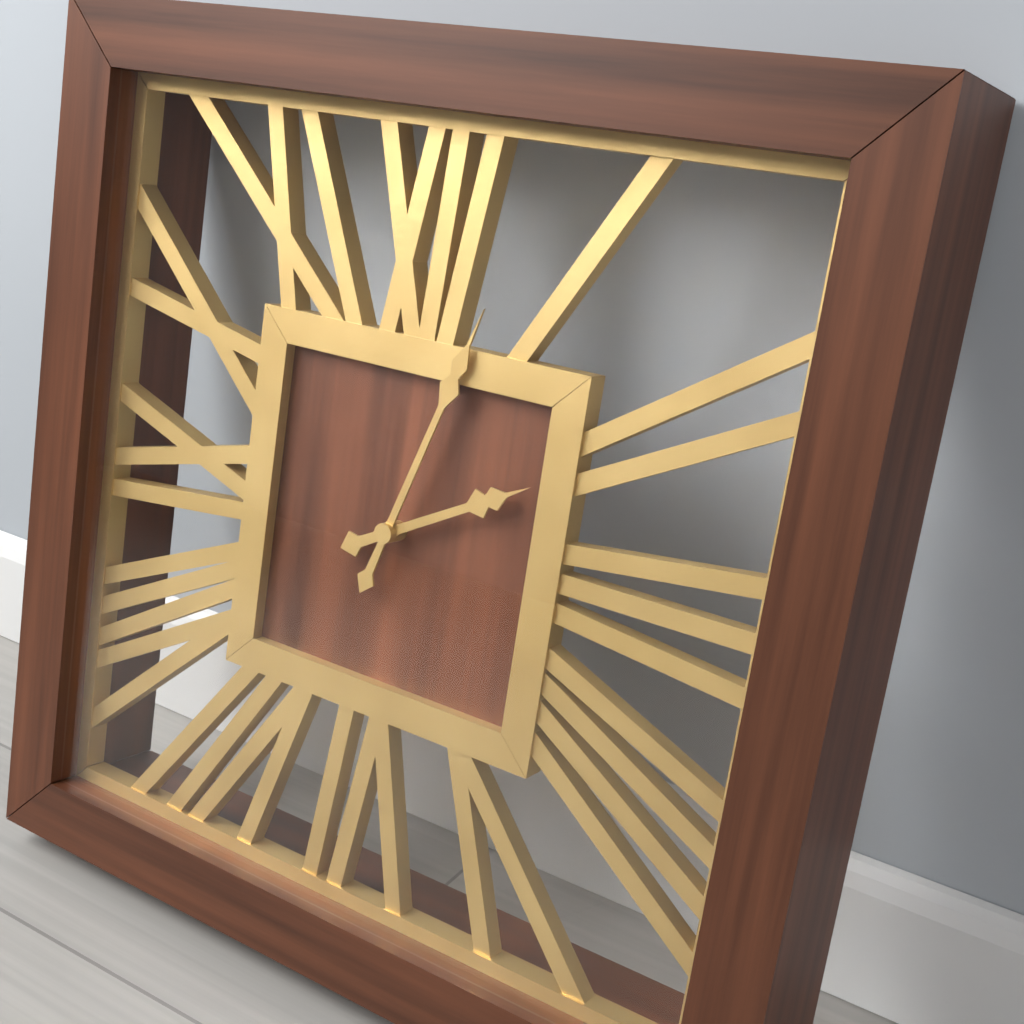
2h03
